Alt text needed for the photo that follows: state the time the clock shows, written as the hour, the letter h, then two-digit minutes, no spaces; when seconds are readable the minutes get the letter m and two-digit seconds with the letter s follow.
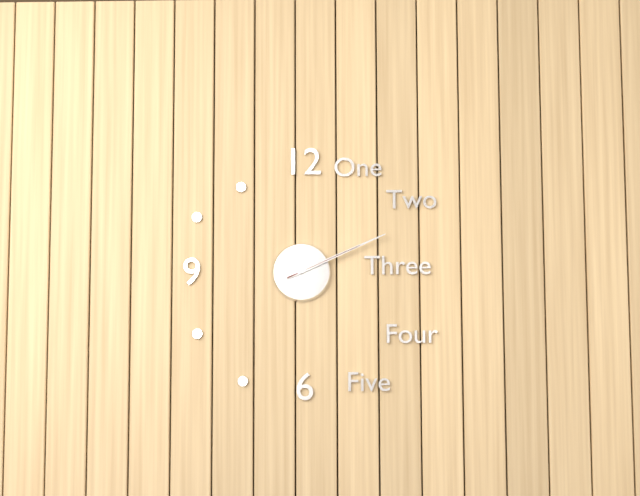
2h11
